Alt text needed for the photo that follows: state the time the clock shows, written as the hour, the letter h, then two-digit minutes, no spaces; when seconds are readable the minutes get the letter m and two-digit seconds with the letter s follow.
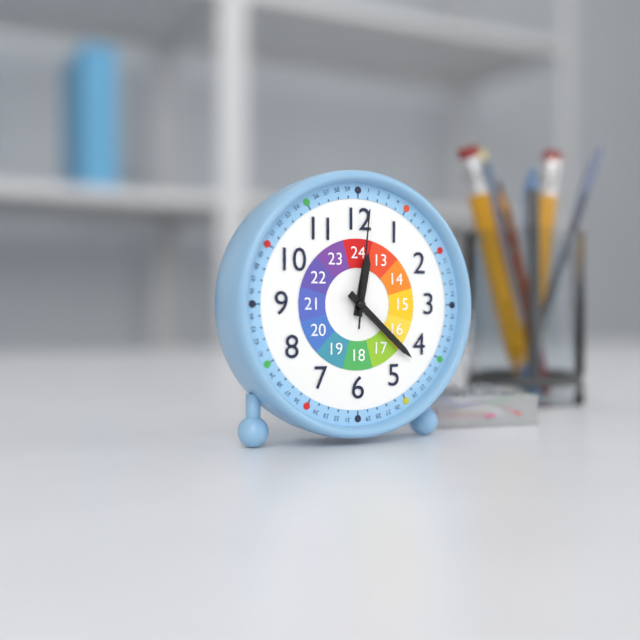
12h22m01s
